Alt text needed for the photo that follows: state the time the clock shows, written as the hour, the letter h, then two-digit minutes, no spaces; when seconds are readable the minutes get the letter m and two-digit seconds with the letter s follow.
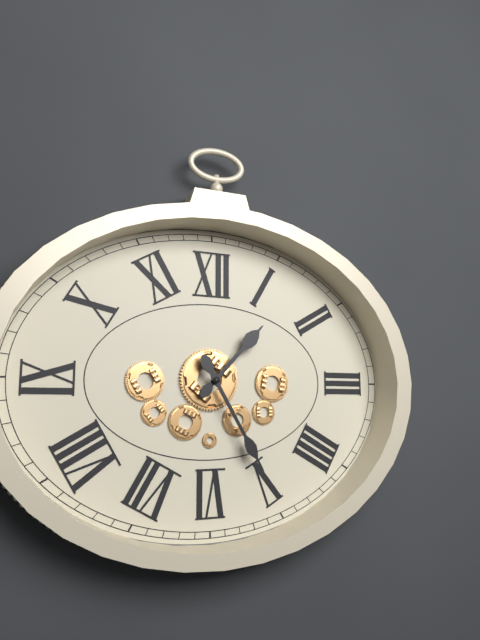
1h25
